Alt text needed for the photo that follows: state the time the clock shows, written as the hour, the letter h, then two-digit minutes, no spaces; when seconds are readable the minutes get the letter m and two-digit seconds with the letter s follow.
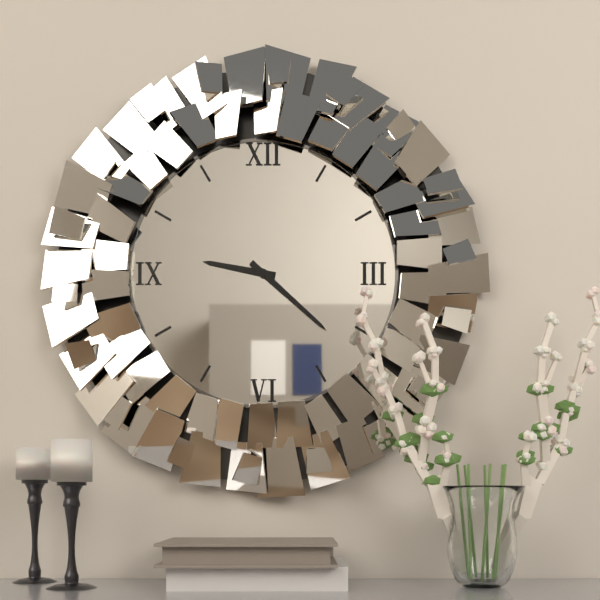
9h22
